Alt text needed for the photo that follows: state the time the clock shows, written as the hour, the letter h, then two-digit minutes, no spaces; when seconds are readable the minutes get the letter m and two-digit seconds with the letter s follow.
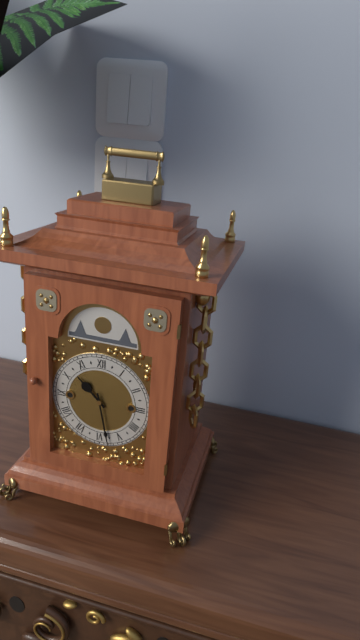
10h28
